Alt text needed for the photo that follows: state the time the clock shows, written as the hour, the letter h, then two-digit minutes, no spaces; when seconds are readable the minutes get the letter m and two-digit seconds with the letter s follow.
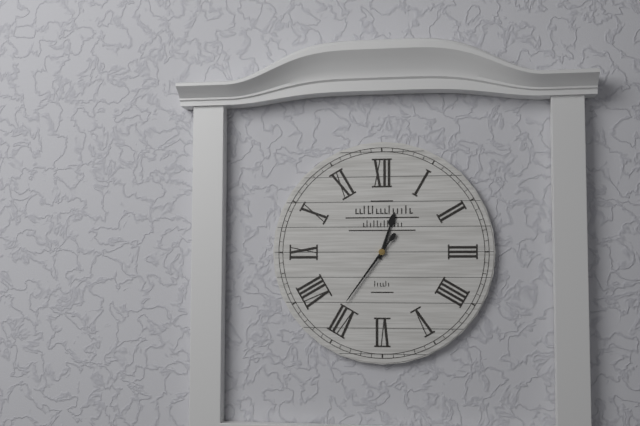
12h36
